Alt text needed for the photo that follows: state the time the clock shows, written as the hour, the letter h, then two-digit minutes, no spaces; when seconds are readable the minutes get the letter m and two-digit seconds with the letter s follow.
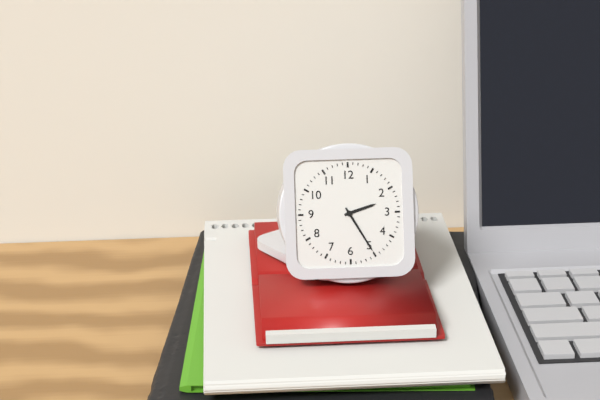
2h25
